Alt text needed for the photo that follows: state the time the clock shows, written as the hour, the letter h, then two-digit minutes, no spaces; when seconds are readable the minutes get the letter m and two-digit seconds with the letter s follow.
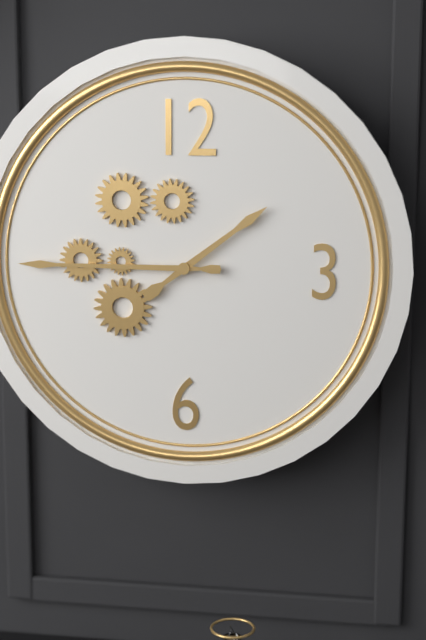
1h45
